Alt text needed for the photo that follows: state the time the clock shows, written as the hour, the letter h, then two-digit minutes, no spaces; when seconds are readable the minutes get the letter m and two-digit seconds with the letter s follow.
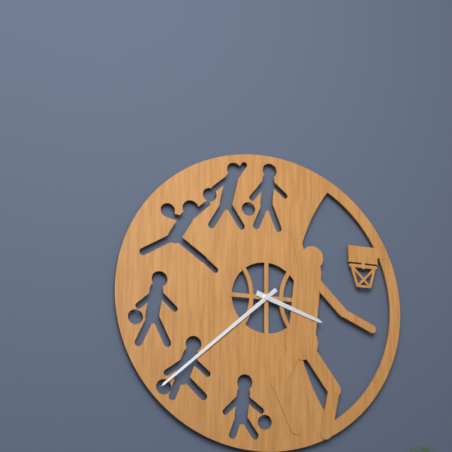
3h38
